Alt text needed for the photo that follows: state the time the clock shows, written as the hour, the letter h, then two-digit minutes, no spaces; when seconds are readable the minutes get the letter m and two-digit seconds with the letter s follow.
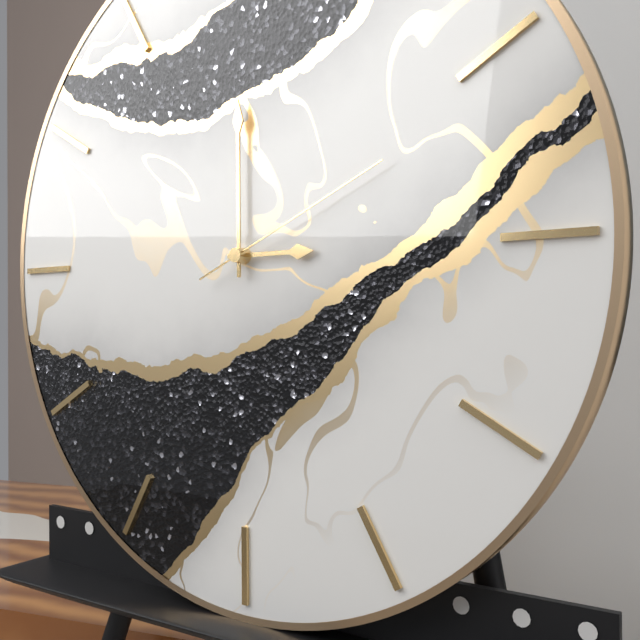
3h00m11s
